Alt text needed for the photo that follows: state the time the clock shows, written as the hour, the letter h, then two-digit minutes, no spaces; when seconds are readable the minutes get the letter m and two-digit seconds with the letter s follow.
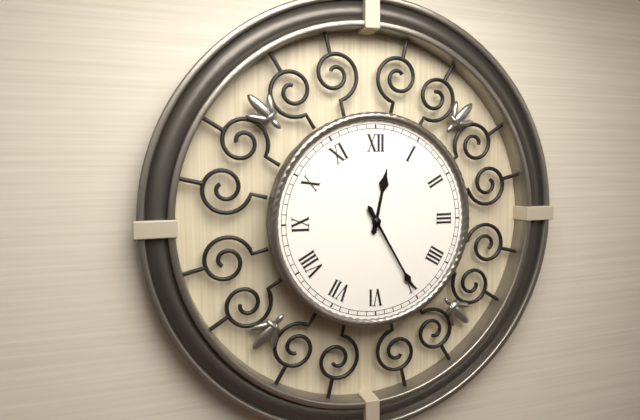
12h25
